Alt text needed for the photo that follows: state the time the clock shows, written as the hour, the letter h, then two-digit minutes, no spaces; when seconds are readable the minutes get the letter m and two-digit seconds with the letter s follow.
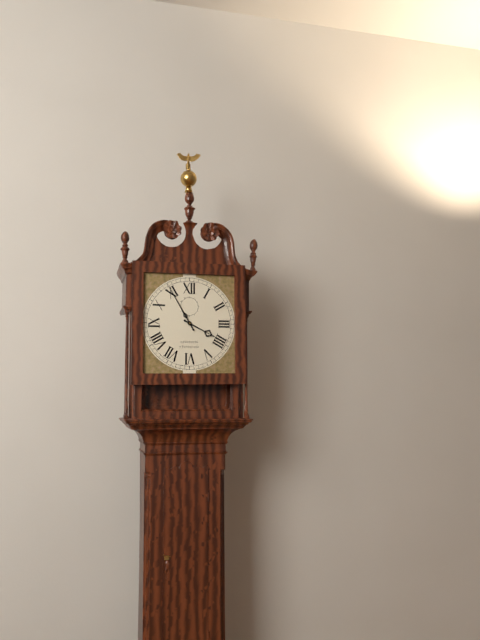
3h55
